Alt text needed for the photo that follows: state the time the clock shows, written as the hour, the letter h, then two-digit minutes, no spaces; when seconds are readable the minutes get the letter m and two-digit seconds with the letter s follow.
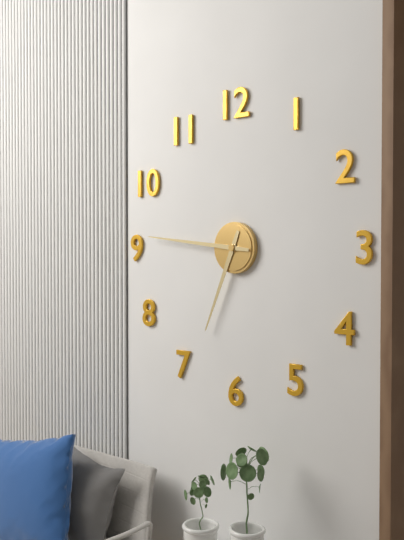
6h46
